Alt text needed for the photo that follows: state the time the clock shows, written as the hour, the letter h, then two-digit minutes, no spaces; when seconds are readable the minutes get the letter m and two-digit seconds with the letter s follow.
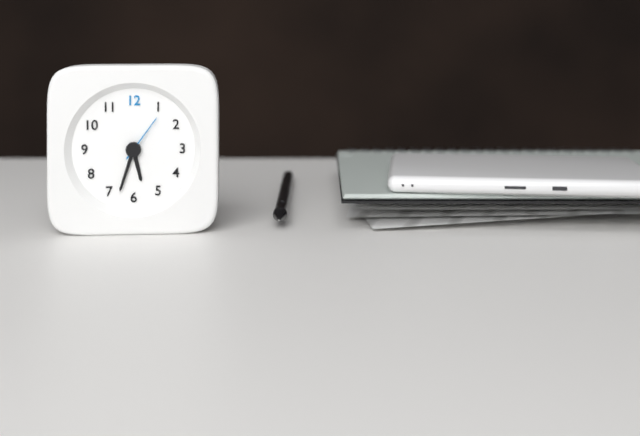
5h33m06s
